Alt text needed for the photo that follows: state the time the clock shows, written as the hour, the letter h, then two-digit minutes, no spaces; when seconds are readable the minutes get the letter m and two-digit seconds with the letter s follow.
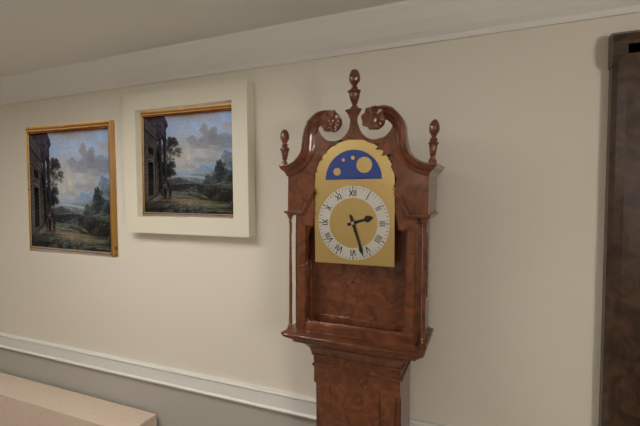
2h27
